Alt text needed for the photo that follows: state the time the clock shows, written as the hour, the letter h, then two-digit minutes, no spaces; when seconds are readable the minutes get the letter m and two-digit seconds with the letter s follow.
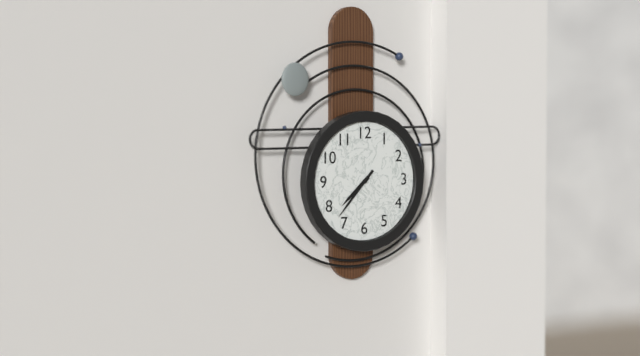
7h37
